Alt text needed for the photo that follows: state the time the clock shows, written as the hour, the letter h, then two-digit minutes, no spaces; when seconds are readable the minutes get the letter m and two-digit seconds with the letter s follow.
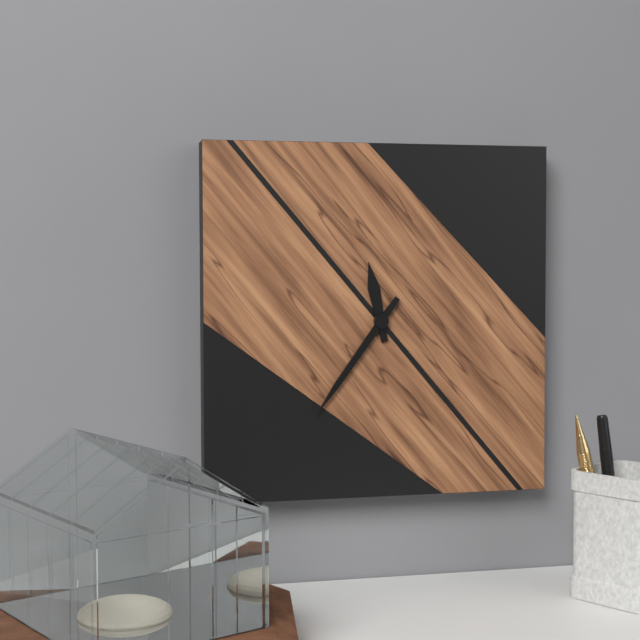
11h36
